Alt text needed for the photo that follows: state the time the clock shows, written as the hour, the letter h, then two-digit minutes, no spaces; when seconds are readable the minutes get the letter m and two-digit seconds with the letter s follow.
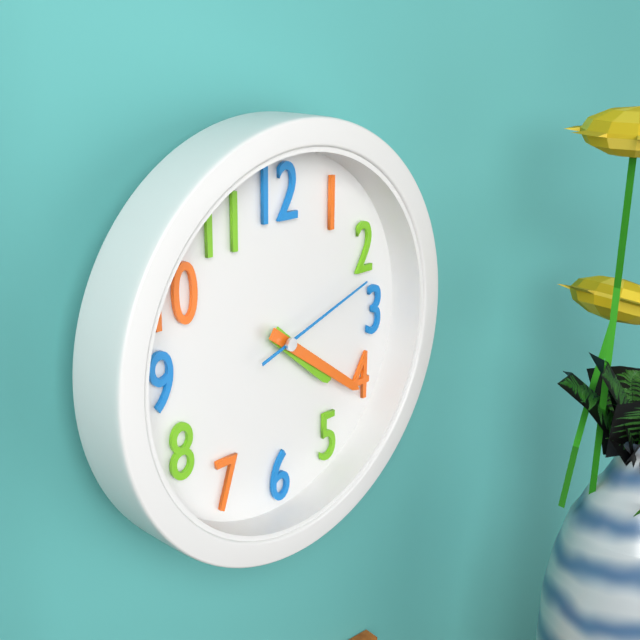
4h21m12s
